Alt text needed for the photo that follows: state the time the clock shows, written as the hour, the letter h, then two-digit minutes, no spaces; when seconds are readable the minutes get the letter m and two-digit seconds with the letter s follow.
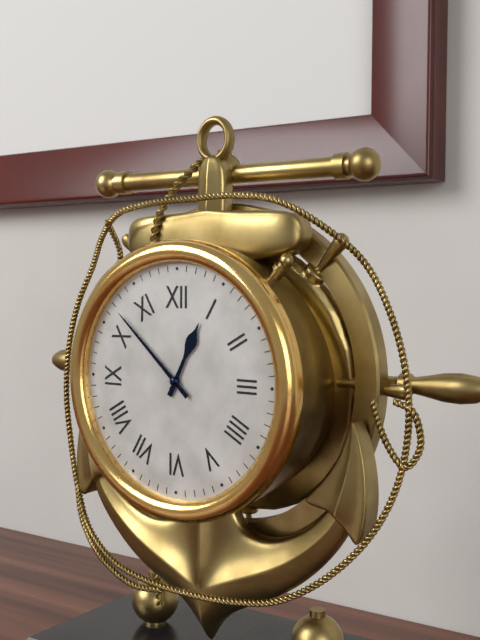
12h52
